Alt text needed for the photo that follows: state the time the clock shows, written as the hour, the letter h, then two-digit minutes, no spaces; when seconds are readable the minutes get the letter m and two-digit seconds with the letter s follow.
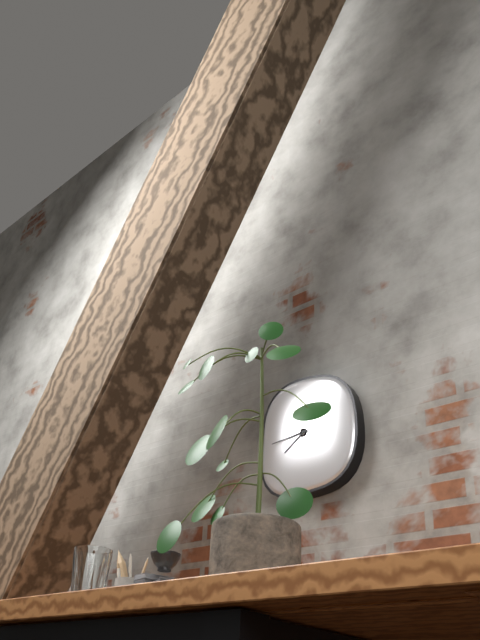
7h44
